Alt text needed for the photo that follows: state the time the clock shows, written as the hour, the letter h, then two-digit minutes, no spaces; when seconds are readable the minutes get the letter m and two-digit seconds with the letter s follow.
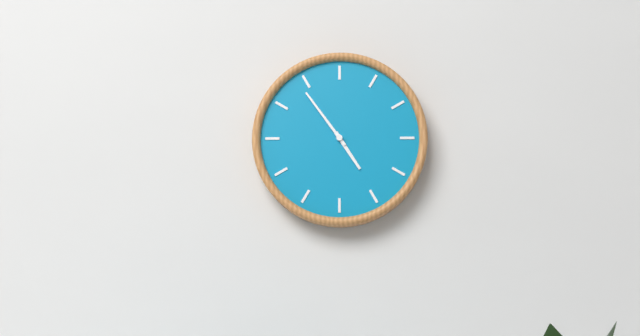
4h54
